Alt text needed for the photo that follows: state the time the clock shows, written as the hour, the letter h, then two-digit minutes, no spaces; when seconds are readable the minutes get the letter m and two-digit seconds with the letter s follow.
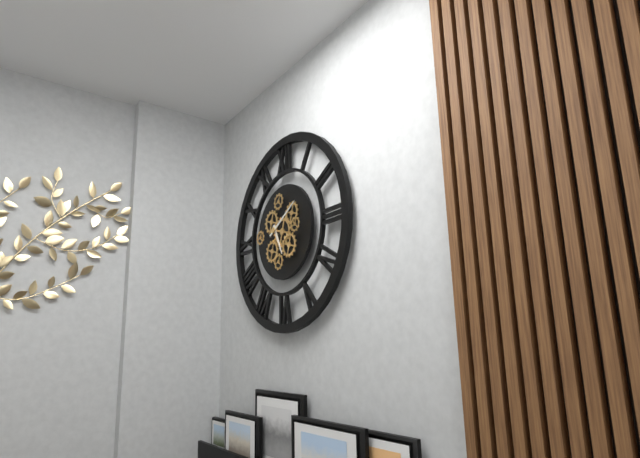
5h10
